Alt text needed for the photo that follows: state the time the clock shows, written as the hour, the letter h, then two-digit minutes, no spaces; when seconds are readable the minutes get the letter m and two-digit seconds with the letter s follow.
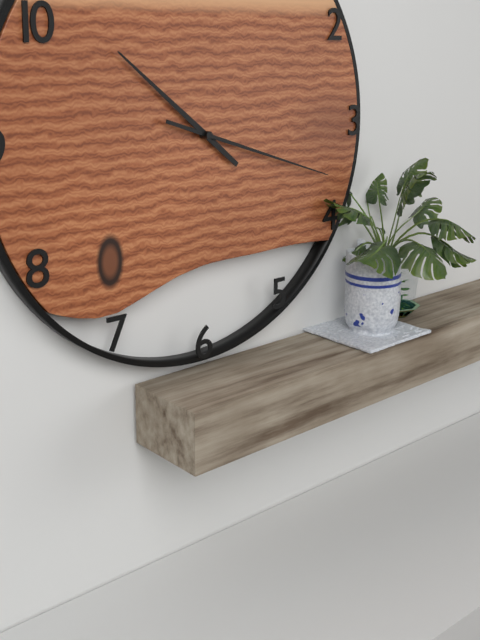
10h18
